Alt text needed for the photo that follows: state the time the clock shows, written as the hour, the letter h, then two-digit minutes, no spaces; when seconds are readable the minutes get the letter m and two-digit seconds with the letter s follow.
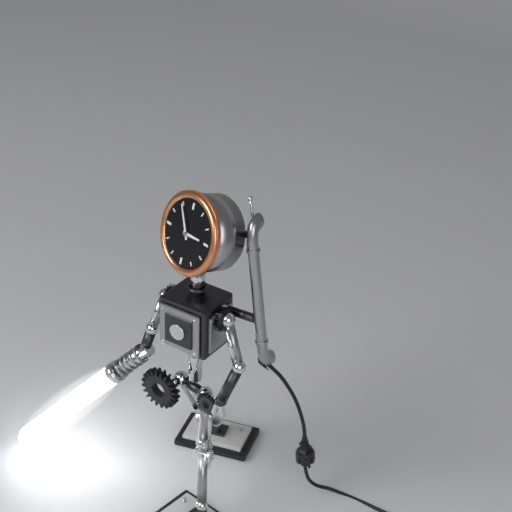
2h55
